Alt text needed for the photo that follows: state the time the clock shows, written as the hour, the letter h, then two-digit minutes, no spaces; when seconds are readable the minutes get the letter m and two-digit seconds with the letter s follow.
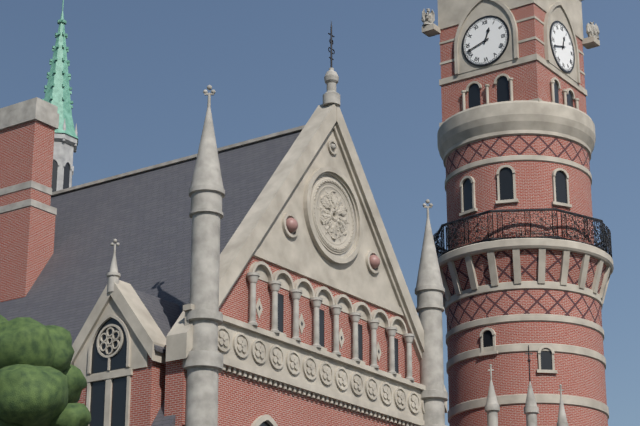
12h42
